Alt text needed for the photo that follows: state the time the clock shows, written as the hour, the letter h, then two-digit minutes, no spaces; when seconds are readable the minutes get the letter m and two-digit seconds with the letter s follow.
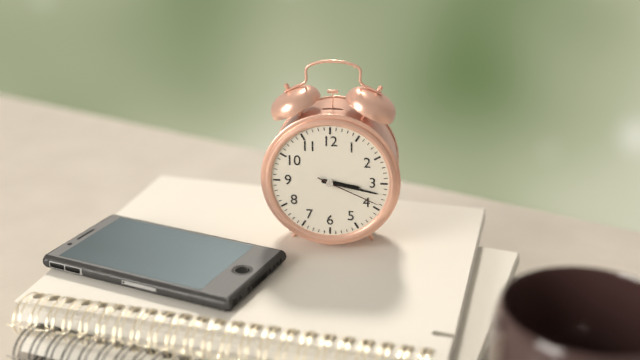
3h17m19s
